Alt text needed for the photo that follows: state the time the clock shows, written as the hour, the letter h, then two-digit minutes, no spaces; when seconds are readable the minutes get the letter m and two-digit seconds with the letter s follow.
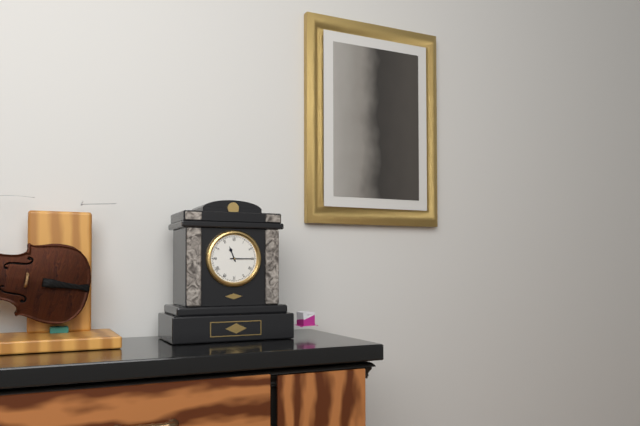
11h15
